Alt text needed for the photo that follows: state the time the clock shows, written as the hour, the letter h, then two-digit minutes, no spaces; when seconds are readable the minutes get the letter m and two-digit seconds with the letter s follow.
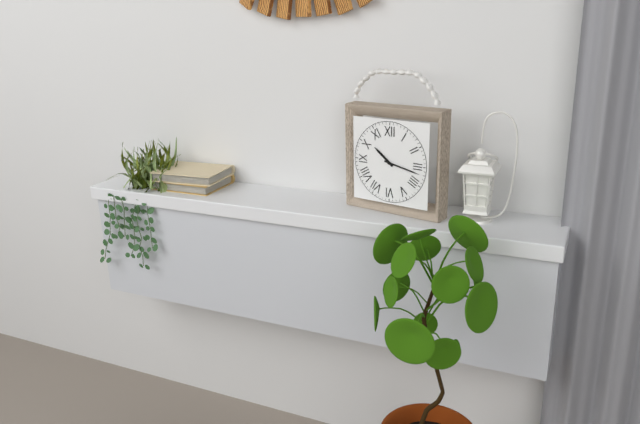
10h17
